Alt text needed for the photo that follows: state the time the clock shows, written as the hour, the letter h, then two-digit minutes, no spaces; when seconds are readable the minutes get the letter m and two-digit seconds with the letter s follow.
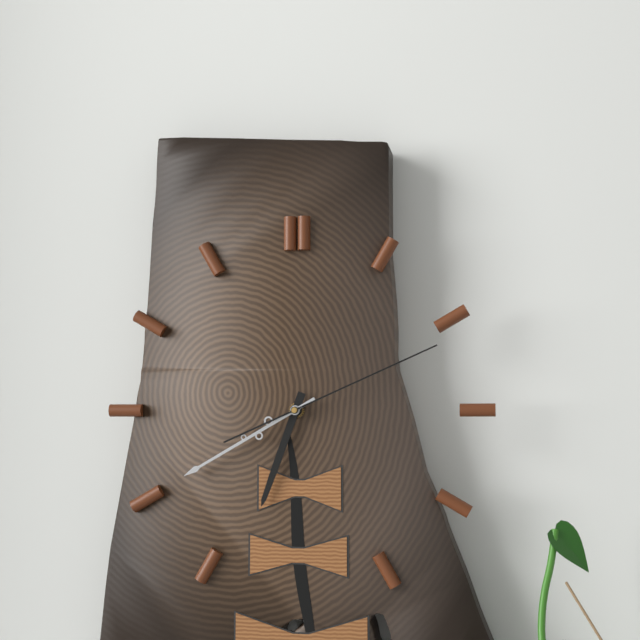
6h40m11s
